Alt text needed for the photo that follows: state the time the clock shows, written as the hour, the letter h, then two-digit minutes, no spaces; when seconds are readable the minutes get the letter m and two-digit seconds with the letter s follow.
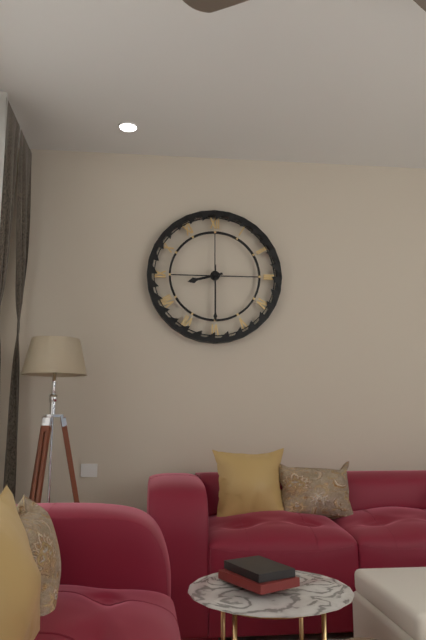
8h30
